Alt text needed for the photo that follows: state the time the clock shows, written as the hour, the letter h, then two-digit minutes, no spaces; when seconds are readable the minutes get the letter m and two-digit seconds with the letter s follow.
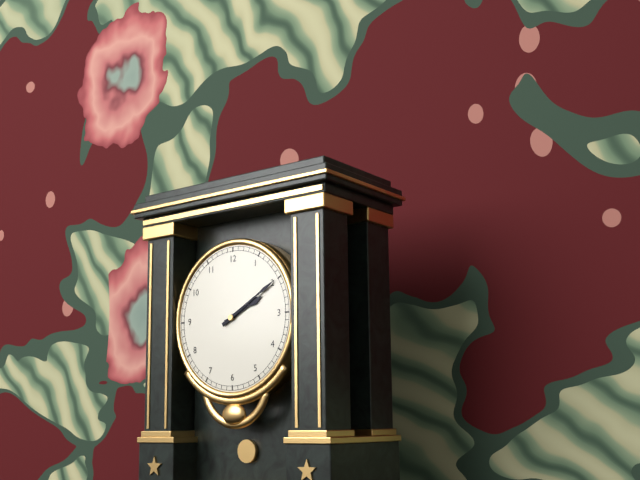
2h10
